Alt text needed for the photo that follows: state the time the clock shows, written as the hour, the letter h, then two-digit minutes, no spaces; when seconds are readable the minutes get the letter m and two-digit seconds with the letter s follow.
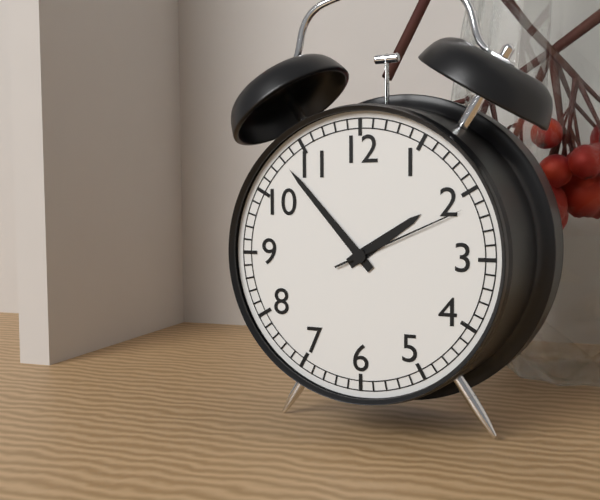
1h53m11s
